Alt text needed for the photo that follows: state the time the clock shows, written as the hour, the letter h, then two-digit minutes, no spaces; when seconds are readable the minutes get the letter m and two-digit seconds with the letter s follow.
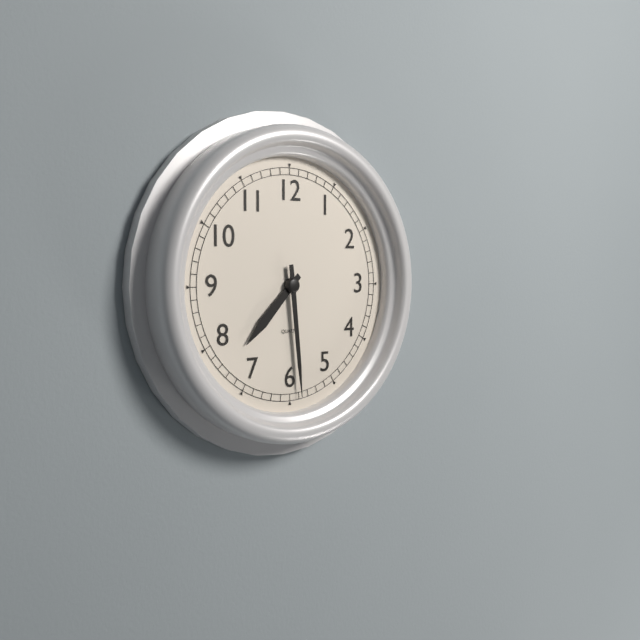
7h29
